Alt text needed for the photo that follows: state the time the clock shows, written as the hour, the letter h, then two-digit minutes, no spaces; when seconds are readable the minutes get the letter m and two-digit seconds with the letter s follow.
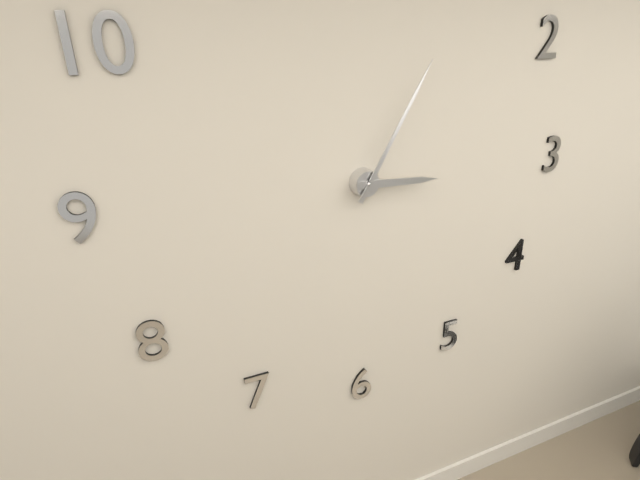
3h05
